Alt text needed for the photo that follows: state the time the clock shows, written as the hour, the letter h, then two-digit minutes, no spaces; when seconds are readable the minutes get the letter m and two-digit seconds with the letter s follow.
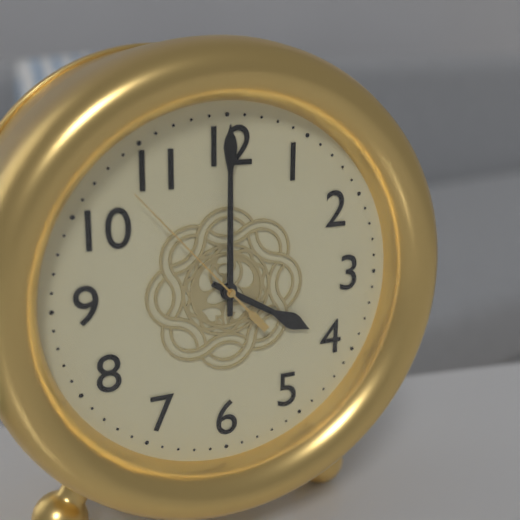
4h00m53s
